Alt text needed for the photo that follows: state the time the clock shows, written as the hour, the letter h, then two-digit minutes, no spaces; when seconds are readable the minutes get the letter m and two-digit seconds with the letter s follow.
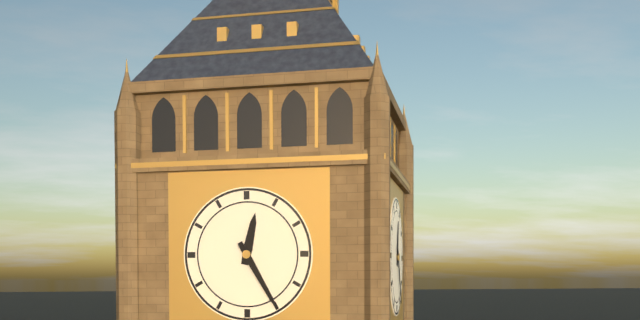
12h25
